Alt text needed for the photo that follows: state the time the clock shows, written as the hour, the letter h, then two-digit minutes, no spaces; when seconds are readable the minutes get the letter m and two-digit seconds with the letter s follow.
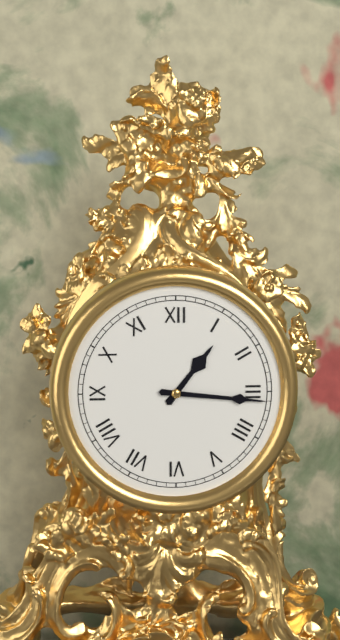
1h16
